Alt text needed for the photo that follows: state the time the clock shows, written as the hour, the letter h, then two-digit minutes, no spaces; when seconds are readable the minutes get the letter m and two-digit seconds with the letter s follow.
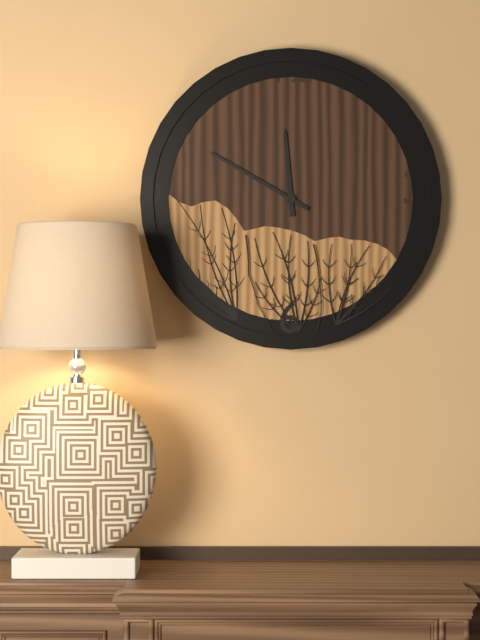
11h50
